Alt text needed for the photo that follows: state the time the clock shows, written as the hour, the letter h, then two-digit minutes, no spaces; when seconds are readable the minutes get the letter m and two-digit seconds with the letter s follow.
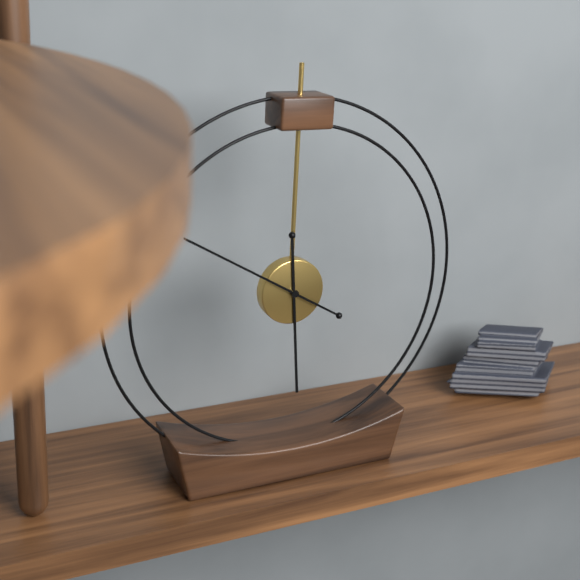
5h50
